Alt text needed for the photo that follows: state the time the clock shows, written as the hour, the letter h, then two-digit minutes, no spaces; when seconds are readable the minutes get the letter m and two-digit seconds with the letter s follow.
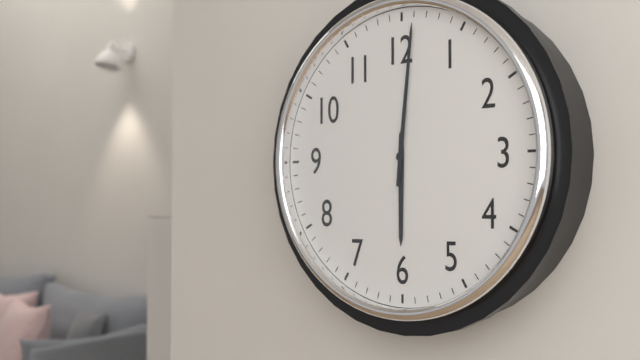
6h01
